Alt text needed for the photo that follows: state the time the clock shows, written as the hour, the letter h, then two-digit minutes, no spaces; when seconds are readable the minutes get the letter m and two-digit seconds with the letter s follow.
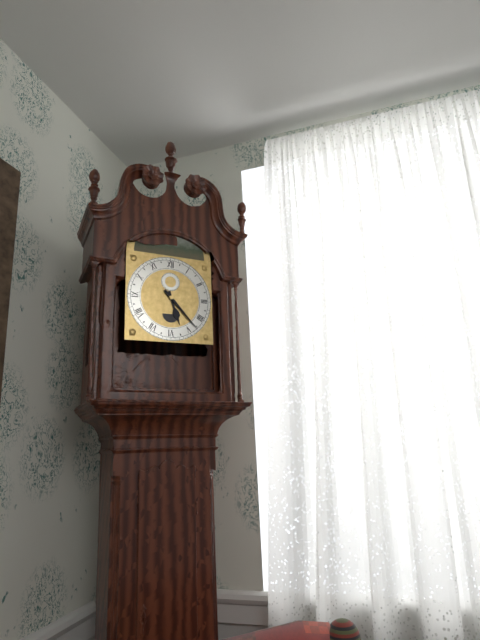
5h23
